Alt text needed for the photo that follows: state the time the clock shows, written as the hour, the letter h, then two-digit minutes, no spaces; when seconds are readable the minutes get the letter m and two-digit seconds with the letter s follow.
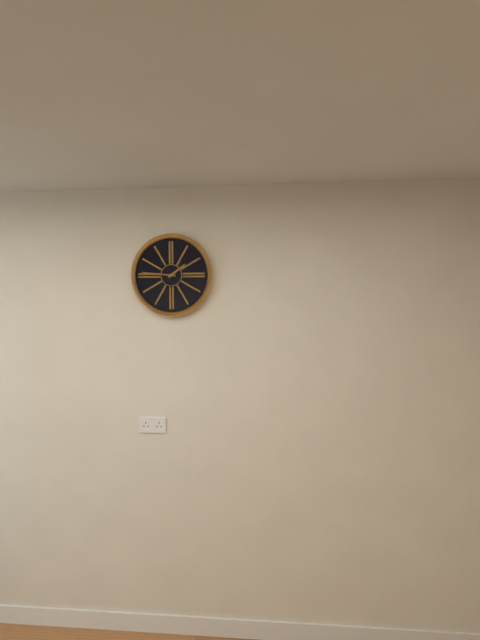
1h46
